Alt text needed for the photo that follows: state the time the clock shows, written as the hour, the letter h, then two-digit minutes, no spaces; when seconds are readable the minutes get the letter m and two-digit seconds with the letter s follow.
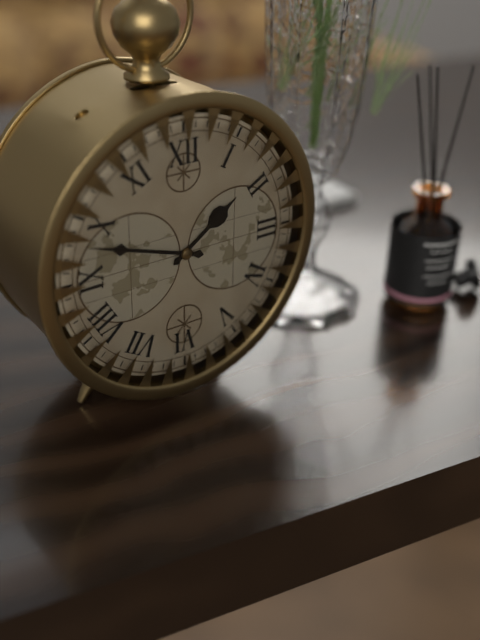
1h48
